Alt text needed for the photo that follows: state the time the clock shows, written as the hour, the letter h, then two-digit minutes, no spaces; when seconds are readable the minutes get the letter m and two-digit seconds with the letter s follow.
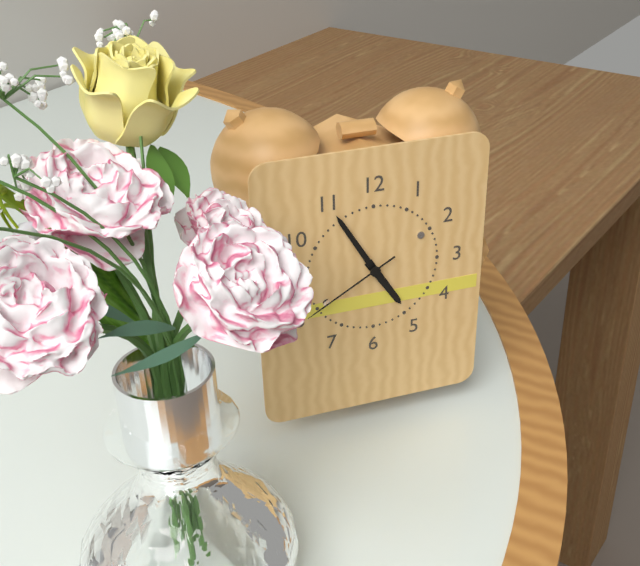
4h55m40s
